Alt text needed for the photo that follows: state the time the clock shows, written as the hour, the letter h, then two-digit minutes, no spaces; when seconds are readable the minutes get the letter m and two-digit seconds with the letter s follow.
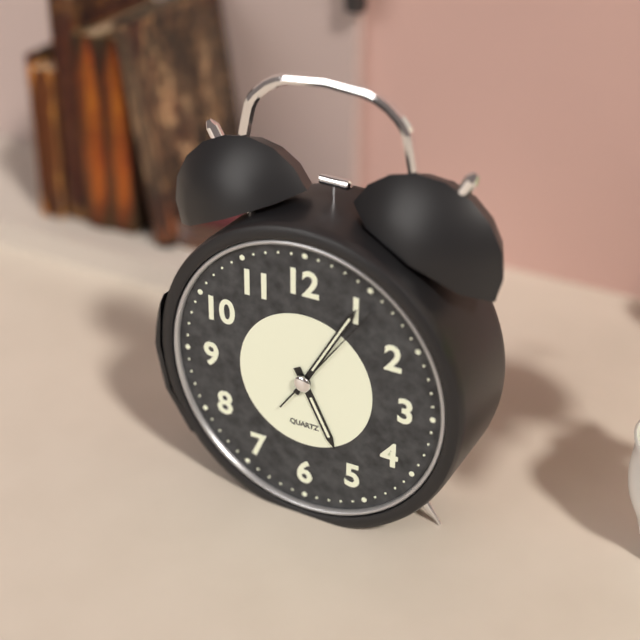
5h05m06s
